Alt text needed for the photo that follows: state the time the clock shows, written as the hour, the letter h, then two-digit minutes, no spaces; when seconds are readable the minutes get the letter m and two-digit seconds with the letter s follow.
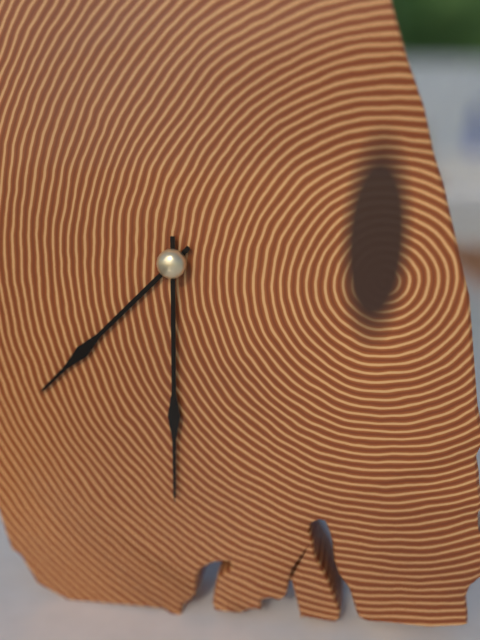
7h30
